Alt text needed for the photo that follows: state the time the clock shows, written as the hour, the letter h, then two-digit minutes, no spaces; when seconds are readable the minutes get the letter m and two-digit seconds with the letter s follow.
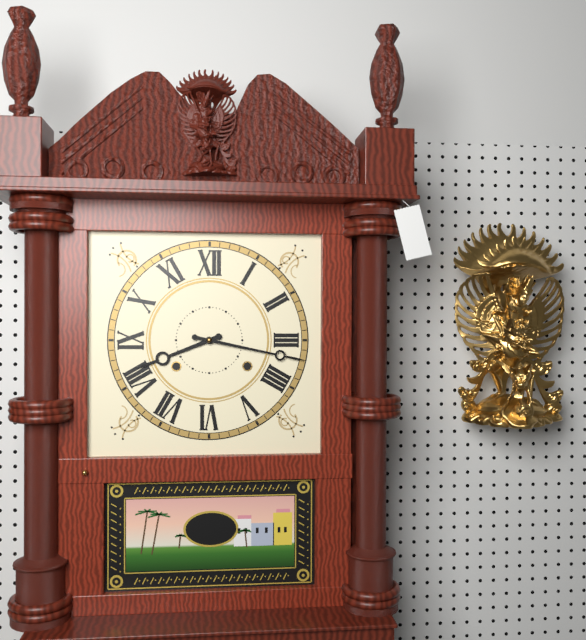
8h17
